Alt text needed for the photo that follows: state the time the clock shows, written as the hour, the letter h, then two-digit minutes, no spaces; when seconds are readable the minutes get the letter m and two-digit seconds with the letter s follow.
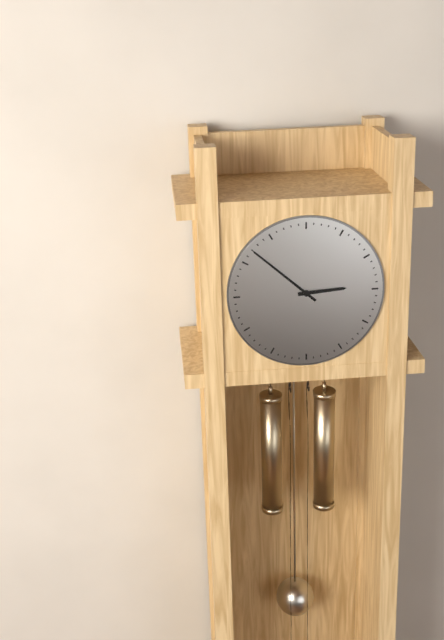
2h52
